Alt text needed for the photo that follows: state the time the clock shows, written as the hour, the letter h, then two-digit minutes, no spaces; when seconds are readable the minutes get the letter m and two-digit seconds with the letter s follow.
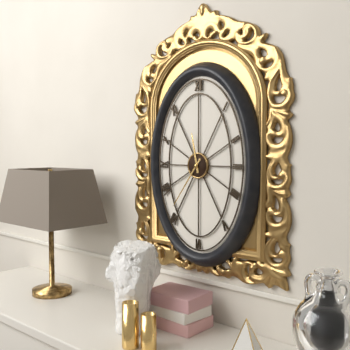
11h36
